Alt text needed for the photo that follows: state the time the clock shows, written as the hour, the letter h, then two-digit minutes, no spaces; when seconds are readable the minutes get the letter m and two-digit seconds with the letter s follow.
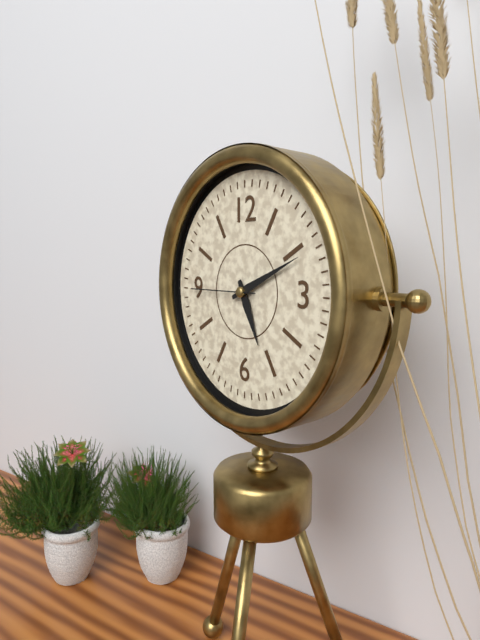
5h11m45s
